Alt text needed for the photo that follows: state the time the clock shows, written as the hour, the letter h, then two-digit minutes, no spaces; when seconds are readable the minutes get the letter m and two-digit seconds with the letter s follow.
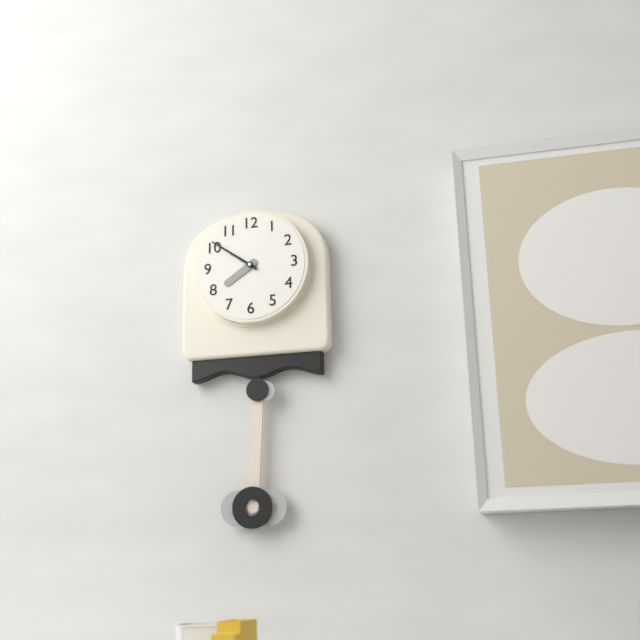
7h51
